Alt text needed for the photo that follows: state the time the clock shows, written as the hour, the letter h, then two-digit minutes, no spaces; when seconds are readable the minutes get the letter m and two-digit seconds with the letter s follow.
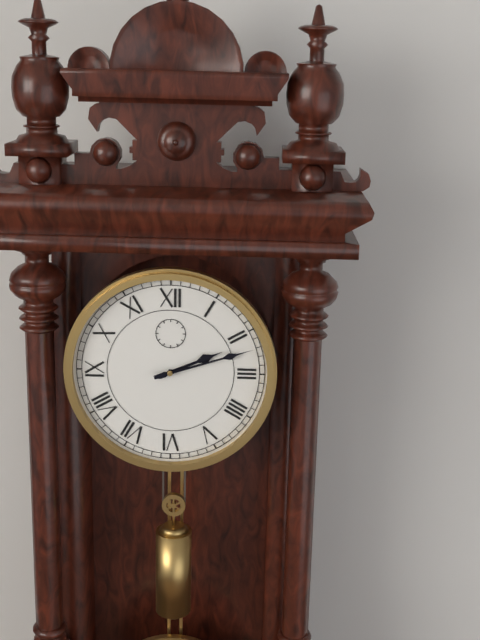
2h12
